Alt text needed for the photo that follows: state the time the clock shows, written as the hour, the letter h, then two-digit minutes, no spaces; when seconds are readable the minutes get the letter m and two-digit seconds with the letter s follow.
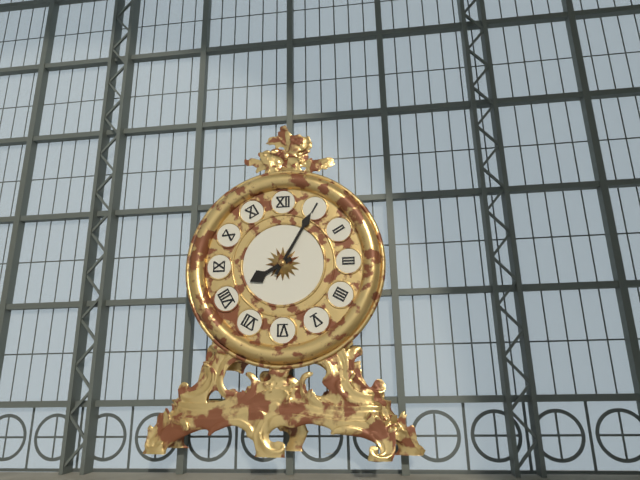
8h05
